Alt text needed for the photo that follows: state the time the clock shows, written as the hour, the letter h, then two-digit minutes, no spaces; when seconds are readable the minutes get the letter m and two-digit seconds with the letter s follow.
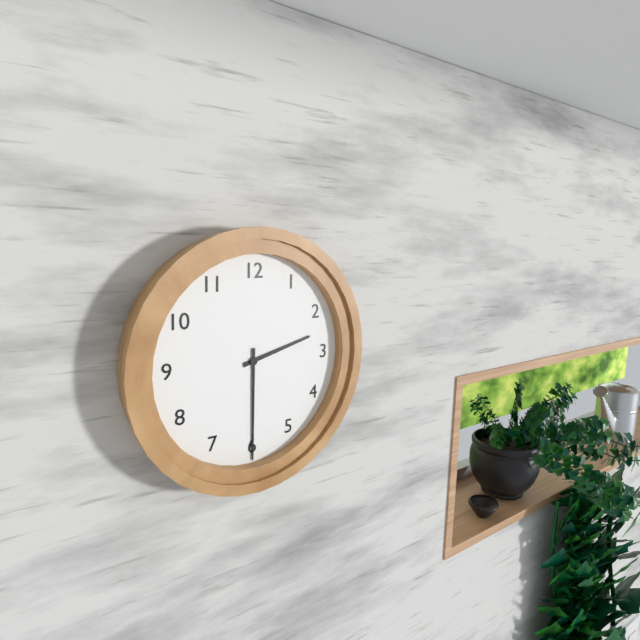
2h30
